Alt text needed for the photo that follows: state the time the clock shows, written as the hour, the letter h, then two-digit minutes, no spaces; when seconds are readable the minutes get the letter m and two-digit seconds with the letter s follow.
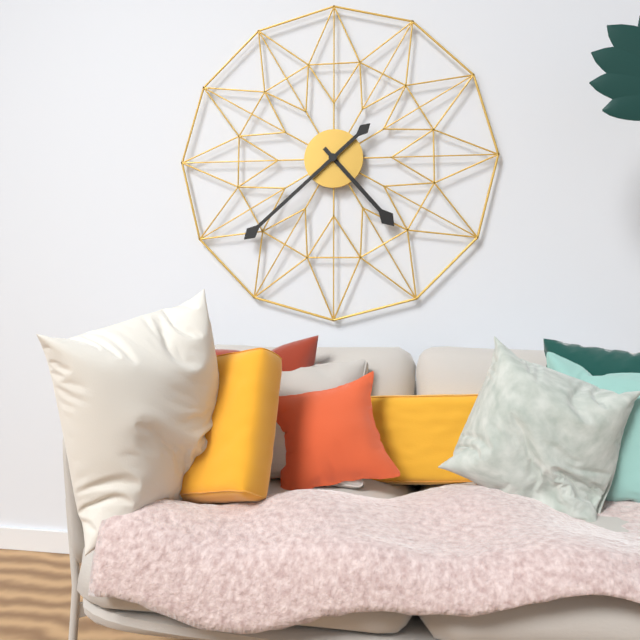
4h38
